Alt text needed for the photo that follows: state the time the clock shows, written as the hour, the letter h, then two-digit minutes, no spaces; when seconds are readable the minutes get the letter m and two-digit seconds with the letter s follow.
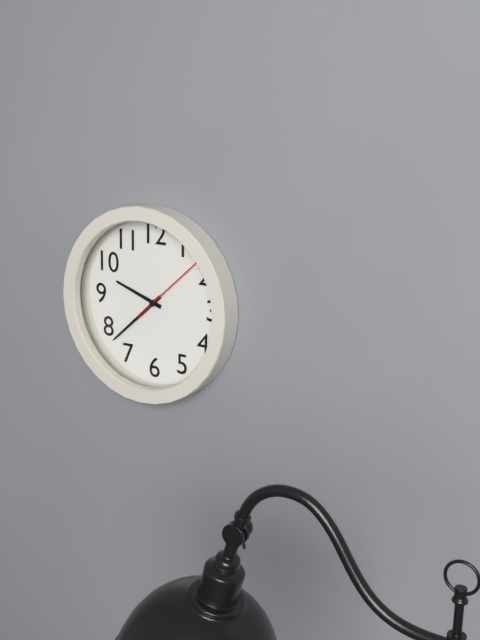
9h38m08s
